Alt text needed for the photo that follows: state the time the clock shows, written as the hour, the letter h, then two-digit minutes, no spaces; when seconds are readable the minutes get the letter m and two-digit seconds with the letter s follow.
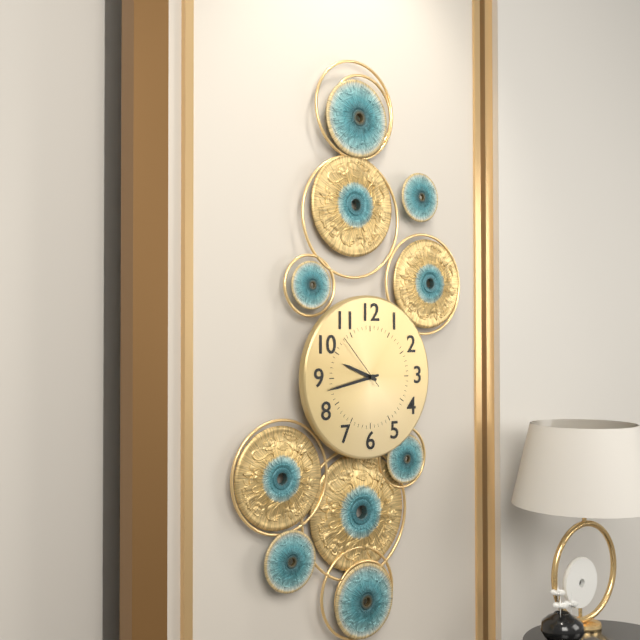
9h43
